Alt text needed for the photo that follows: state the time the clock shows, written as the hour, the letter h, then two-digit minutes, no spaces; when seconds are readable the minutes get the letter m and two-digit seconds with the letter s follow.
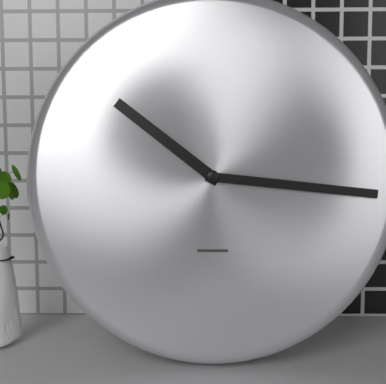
10h16
